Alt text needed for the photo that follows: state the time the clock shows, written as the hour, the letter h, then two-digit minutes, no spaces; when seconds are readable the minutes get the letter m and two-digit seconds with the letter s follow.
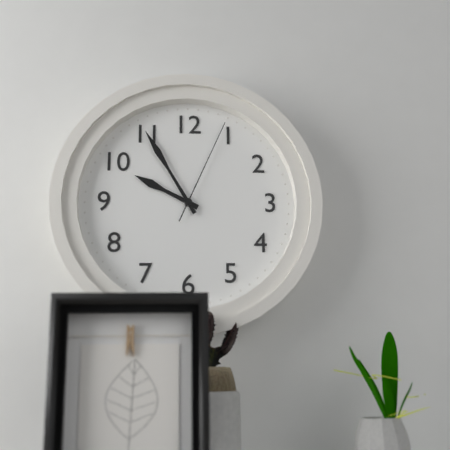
9h55m04s
